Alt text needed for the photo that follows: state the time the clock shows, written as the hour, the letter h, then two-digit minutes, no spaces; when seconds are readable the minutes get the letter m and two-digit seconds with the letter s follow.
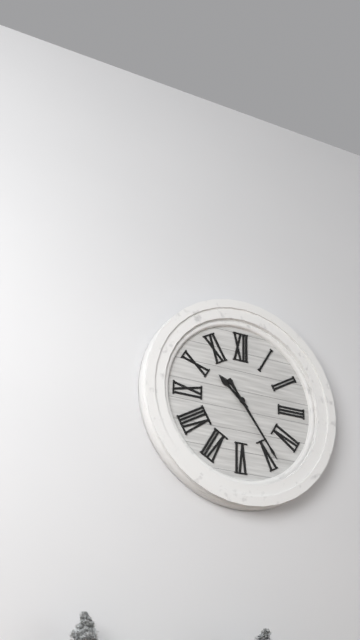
10h24
